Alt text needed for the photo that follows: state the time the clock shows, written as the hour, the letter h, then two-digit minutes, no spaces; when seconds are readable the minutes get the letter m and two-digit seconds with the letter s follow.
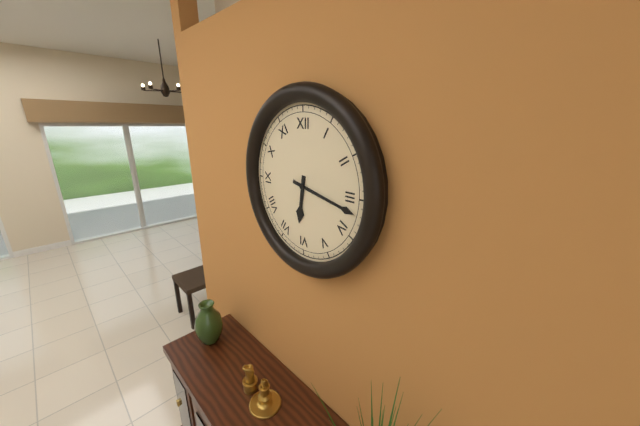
6h17
